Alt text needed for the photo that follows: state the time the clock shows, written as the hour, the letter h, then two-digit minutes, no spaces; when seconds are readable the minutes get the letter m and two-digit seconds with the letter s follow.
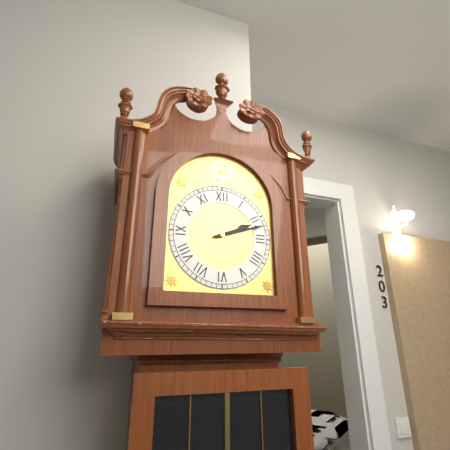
2h12
